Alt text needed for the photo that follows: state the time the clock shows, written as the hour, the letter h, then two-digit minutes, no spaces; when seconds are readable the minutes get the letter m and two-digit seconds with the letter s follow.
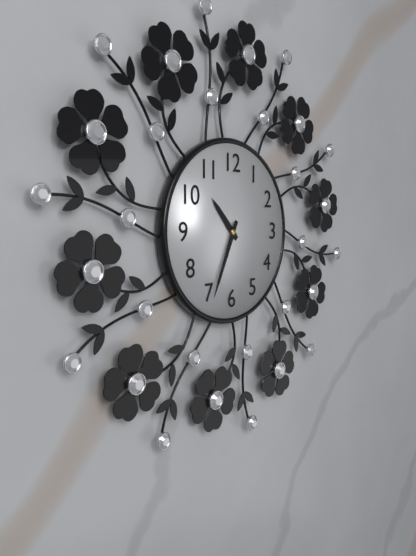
10h34
